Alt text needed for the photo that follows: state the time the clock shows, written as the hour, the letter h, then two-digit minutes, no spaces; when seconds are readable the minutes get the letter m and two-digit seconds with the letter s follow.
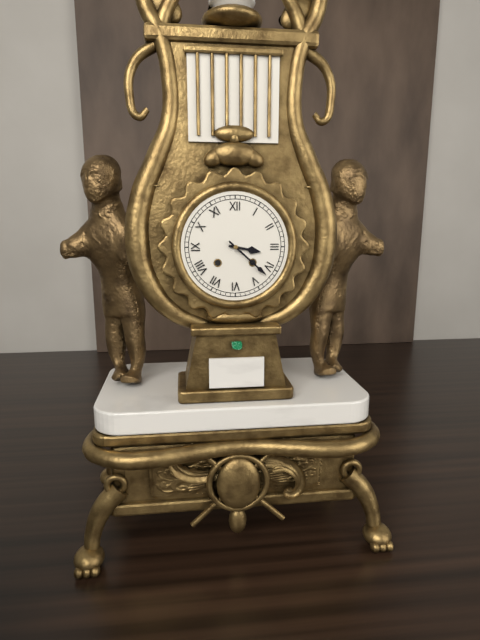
3h22
